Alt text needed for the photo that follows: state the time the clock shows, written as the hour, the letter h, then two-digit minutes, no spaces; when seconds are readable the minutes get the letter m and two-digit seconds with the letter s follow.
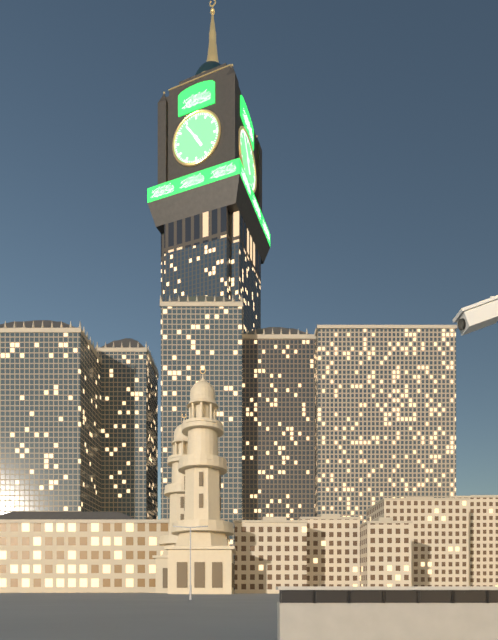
4h54
